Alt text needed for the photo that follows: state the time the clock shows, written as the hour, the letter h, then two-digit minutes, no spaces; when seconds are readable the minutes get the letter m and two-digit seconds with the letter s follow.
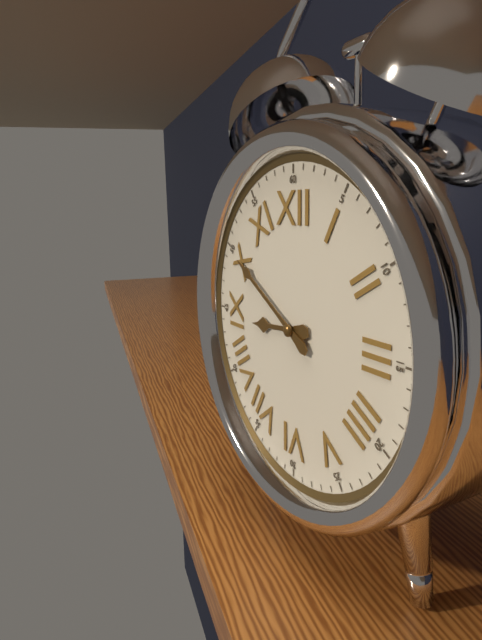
8h50
